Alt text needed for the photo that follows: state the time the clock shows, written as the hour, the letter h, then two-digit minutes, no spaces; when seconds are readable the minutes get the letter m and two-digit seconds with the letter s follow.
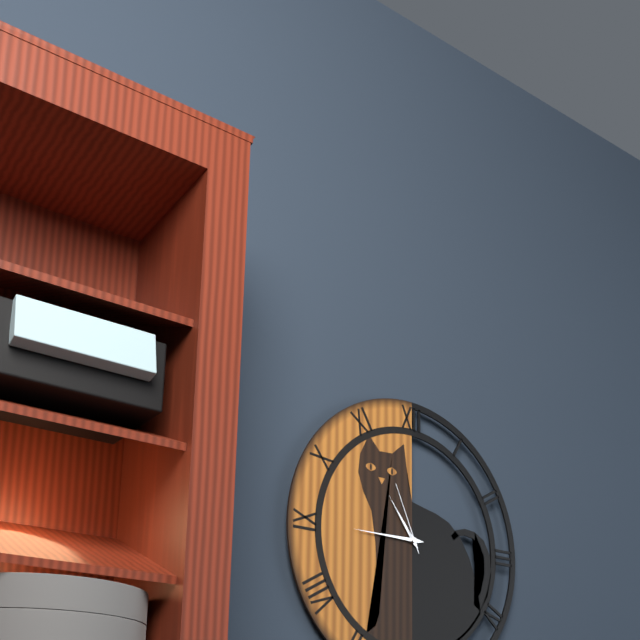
10h45m56s
